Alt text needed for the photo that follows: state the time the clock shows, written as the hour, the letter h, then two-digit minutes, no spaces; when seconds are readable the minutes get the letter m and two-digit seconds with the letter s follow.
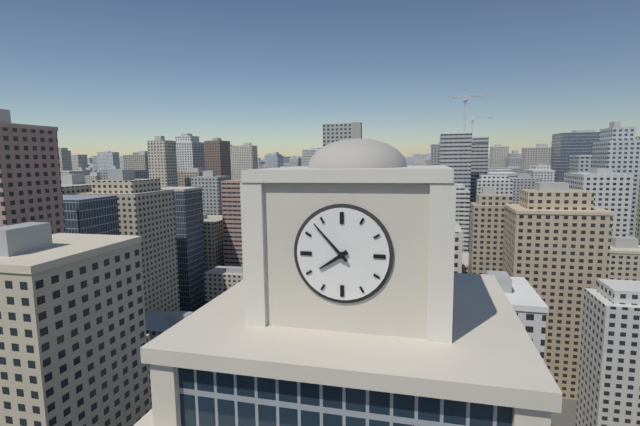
7h53
